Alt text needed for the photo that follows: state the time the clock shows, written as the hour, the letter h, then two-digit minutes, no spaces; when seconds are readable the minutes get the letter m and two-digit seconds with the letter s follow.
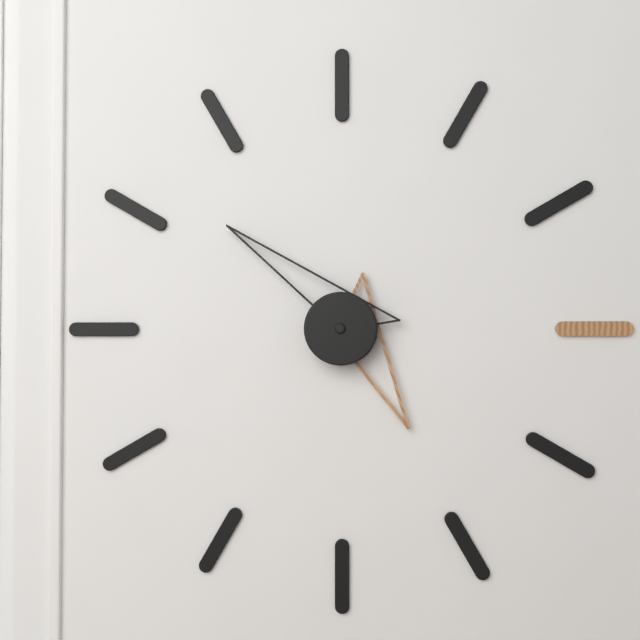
4h52
